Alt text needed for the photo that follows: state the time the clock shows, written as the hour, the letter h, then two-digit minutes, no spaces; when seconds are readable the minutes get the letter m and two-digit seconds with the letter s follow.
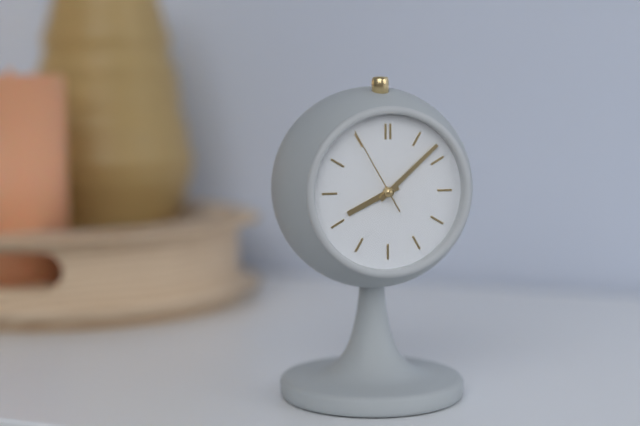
8h08m55s
